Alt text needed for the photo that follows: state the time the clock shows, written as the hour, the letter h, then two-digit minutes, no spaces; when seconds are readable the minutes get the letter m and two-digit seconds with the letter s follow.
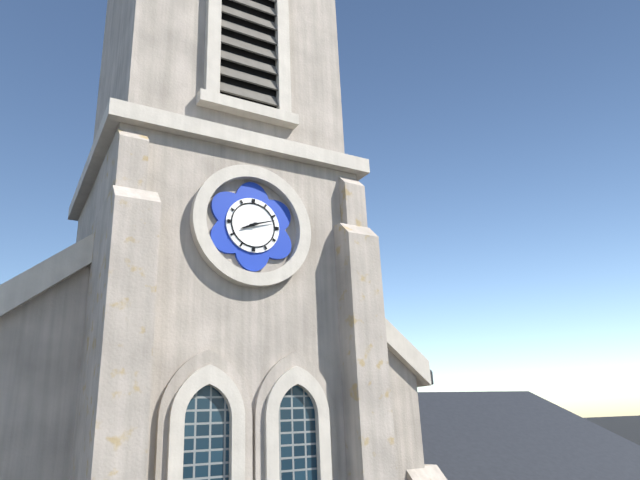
8h12
